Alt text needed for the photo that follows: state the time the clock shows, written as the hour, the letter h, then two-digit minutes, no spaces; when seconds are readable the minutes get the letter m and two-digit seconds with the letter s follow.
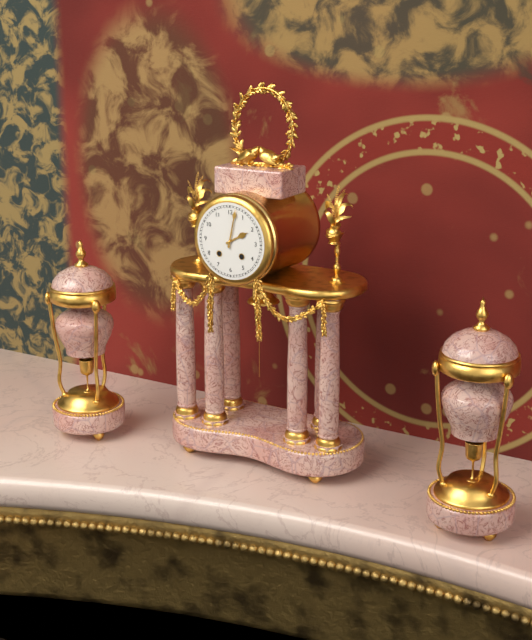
2h02
